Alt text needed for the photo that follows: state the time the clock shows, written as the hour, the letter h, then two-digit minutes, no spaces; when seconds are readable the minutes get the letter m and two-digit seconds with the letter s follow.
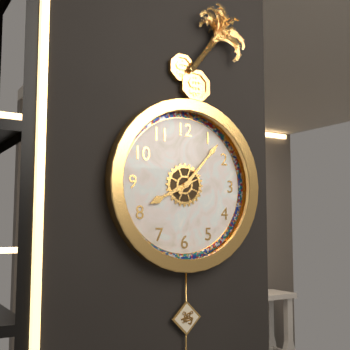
8h07
